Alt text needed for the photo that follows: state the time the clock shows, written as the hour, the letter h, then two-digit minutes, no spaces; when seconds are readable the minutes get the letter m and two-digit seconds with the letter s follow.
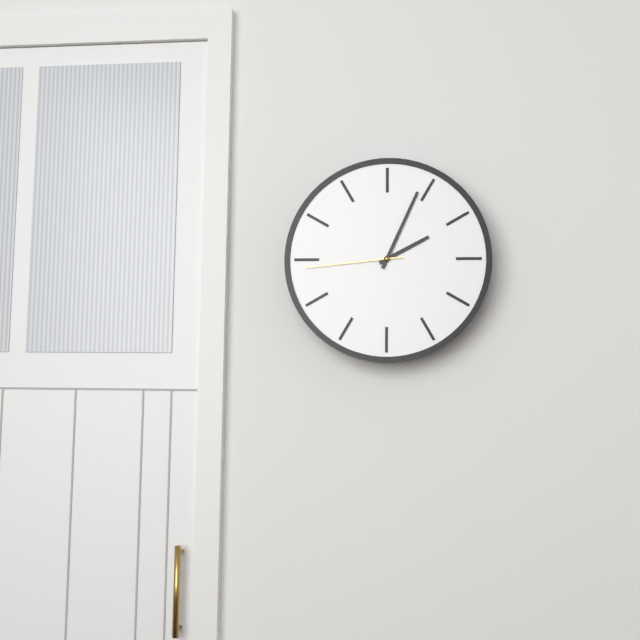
2h04m44s
